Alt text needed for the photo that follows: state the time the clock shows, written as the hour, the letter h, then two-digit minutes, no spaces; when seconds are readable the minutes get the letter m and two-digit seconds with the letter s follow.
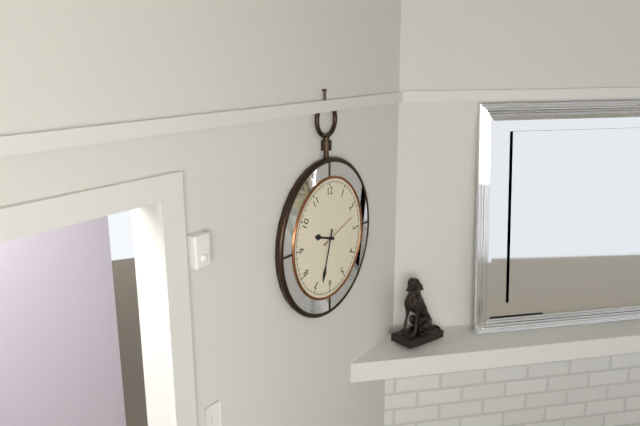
9h33
